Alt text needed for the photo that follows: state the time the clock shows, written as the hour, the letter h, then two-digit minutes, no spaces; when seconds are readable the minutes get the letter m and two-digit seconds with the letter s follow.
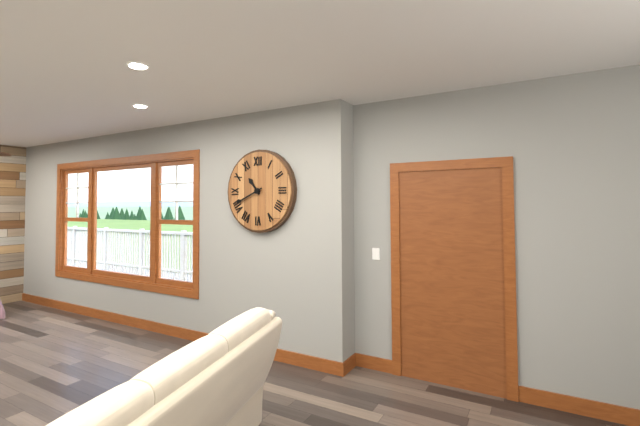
10h41
